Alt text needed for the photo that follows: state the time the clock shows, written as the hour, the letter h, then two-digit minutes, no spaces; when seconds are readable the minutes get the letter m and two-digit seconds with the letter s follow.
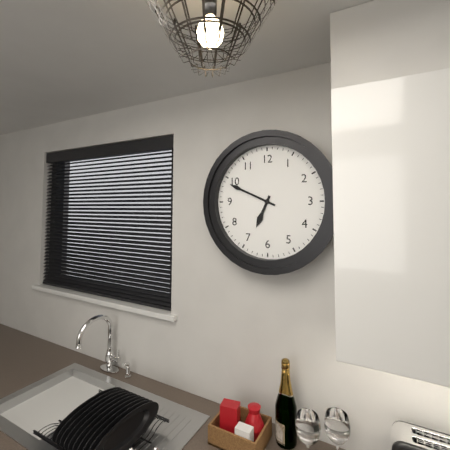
6h49
